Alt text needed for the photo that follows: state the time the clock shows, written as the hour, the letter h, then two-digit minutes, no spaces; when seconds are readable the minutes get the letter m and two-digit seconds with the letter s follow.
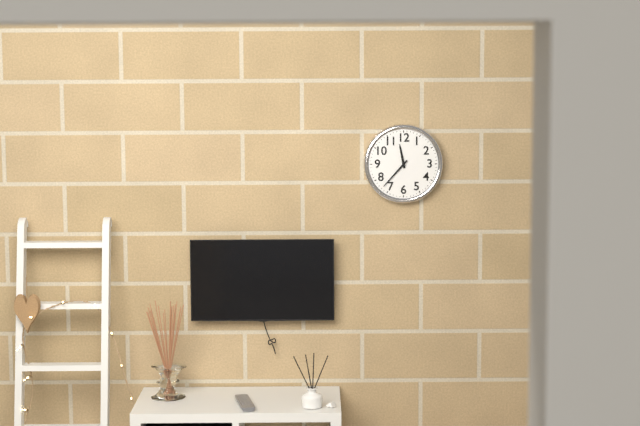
11h37
